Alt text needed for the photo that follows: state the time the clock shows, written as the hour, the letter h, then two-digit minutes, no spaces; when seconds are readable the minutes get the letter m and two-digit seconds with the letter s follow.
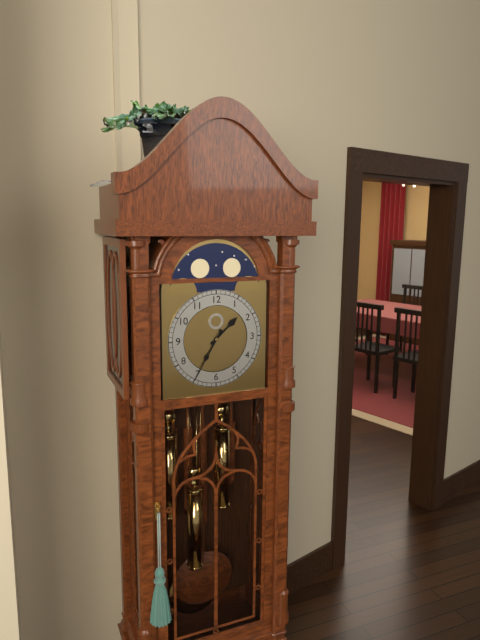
1h35
